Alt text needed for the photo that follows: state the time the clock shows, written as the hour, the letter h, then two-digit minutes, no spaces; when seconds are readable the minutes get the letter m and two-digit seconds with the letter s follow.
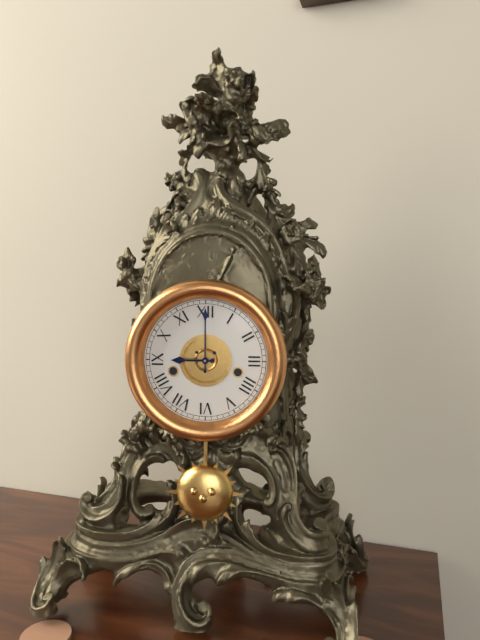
9h00
